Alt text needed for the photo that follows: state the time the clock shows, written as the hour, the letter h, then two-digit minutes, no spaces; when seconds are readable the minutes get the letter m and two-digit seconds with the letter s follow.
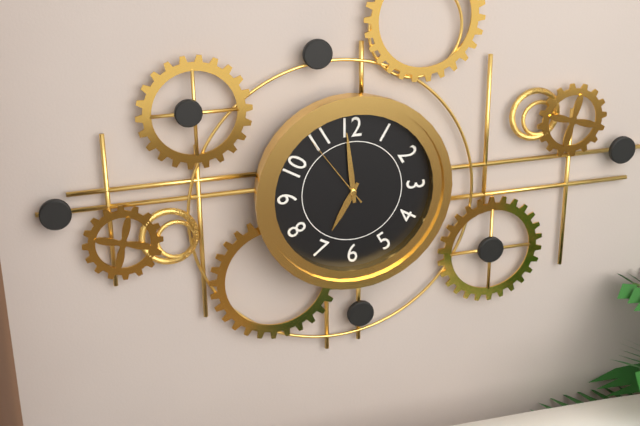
6h59m54s
